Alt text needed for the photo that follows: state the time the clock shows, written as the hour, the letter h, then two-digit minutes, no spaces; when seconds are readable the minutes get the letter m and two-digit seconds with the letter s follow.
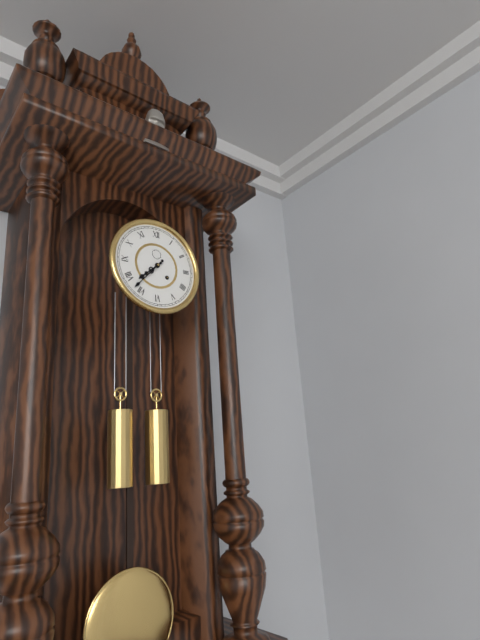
7h37
